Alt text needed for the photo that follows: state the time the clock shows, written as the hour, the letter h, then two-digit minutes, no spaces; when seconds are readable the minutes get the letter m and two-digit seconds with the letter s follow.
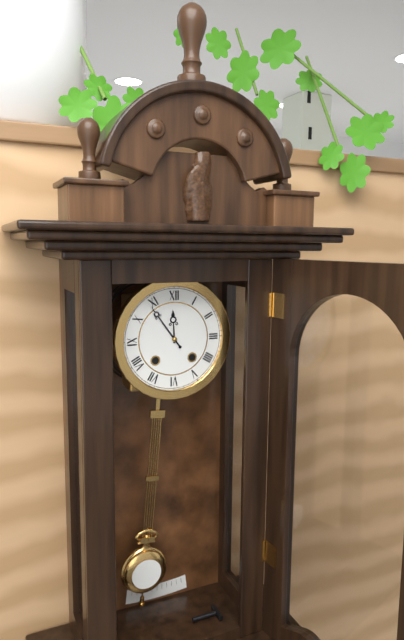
11h54
